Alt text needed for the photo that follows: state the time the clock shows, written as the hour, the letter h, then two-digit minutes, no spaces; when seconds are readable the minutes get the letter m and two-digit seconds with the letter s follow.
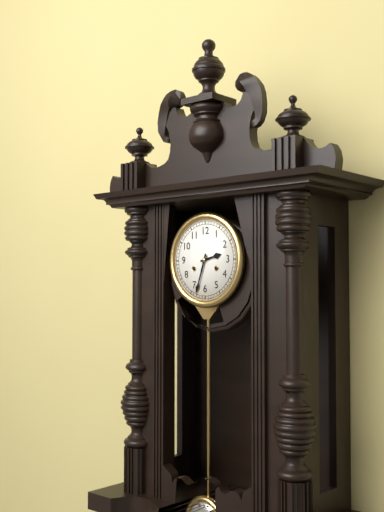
2h33
